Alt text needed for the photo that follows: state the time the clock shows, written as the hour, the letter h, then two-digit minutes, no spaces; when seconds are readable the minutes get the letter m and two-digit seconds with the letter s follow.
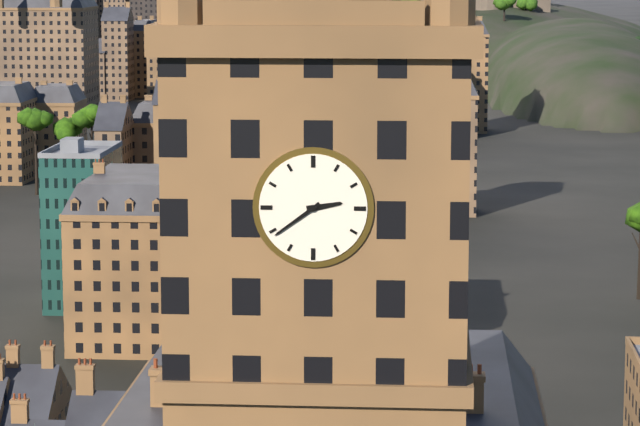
2h39
